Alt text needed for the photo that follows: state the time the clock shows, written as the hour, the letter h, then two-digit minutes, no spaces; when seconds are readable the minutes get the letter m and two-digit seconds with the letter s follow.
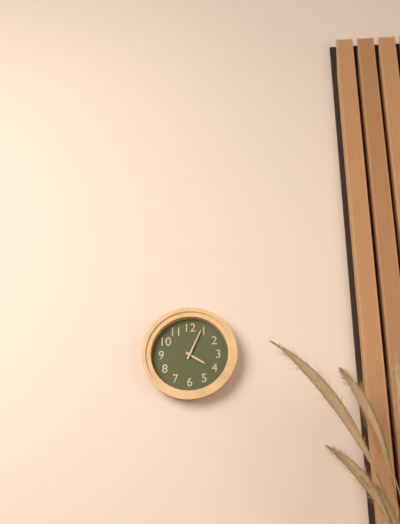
4h04
